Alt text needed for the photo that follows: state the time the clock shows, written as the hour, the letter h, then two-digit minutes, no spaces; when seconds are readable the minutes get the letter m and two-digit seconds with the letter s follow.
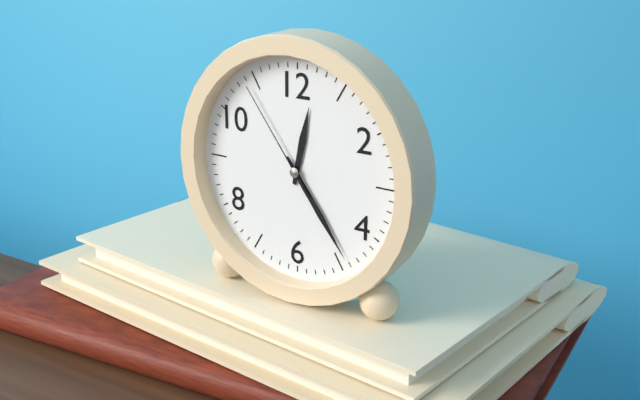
12h24m54s
